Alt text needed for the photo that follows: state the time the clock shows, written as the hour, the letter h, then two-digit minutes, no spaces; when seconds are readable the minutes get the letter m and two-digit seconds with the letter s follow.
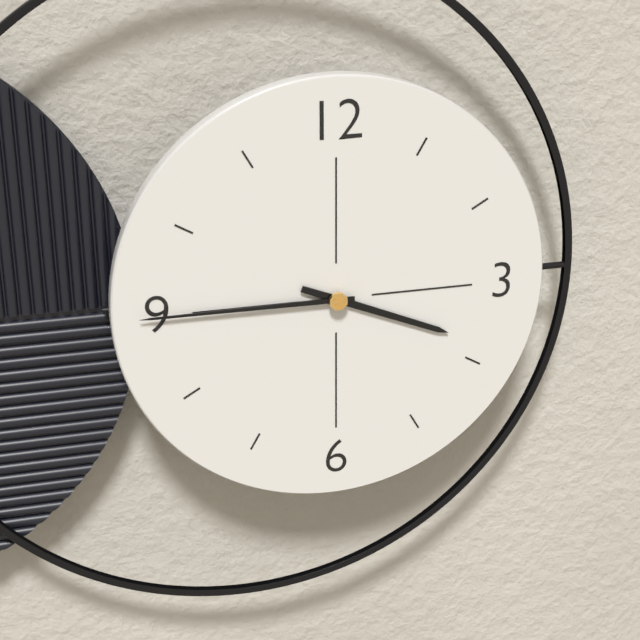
3h45
